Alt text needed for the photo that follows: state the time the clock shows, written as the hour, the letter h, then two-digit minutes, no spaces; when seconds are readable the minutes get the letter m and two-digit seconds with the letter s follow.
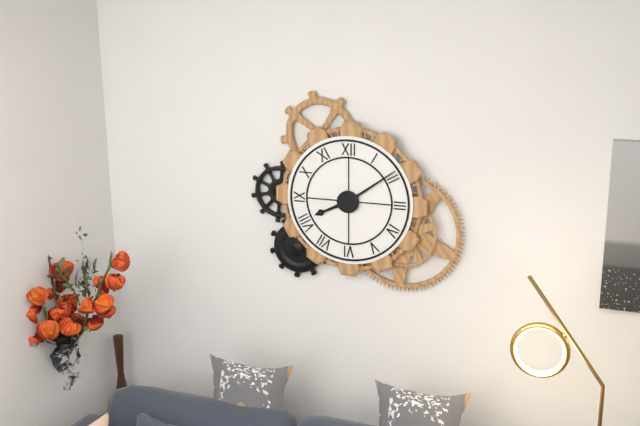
8h09
